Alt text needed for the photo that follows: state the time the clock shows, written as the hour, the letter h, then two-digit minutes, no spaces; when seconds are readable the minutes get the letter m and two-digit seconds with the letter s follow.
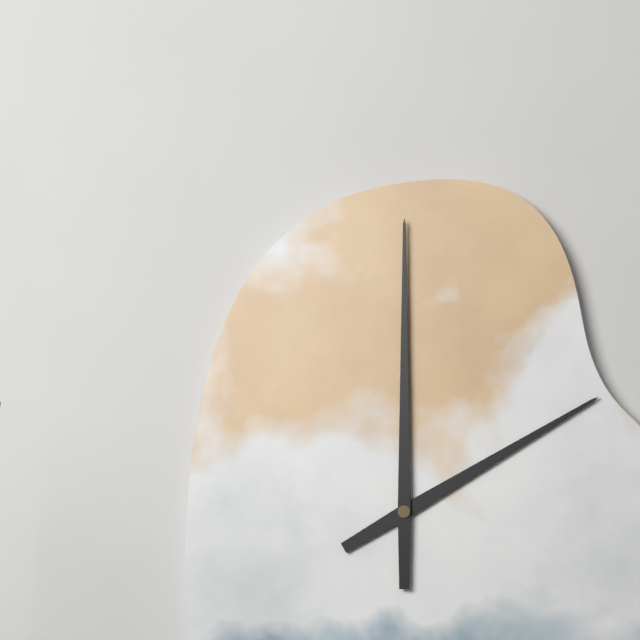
2h00
